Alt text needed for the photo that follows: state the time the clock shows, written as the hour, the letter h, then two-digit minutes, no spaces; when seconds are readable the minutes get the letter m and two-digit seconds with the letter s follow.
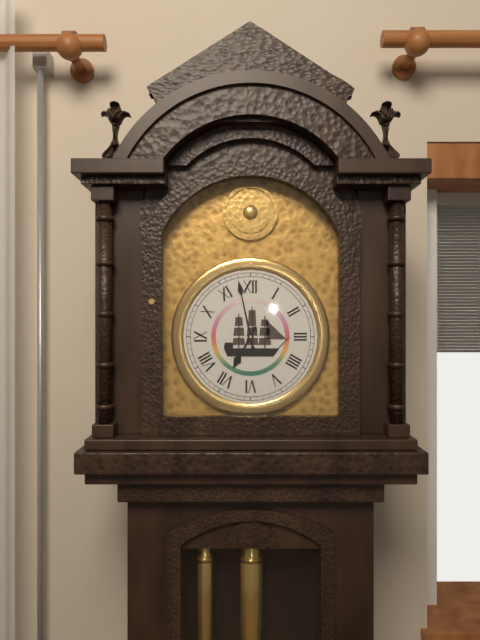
6h58
